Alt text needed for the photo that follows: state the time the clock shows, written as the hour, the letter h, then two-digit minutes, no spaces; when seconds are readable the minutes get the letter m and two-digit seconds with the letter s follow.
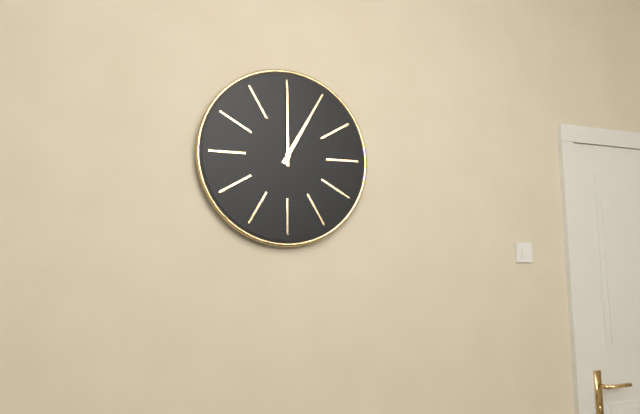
1h00
